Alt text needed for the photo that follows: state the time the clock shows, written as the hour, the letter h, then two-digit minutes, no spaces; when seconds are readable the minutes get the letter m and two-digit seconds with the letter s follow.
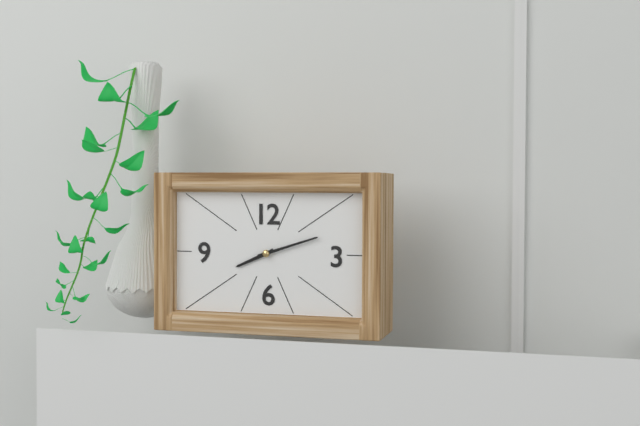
8h12
